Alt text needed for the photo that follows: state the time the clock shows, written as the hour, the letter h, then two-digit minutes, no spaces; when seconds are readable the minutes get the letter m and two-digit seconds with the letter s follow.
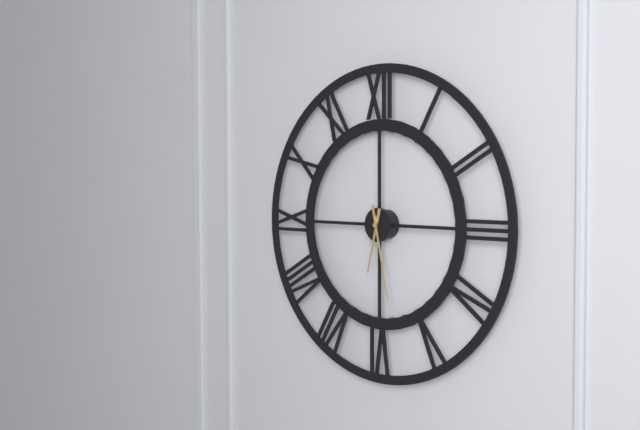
6h28
